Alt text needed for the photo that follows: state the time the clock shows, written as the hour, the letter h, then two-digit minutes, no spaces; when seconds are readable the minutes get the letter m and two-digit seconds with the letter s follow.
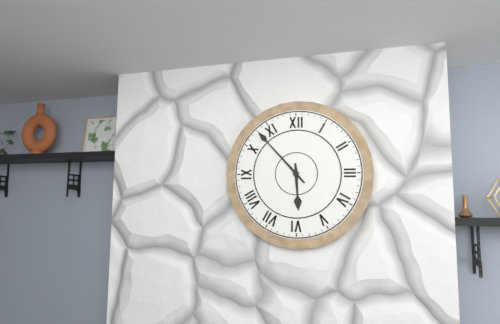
5h53
